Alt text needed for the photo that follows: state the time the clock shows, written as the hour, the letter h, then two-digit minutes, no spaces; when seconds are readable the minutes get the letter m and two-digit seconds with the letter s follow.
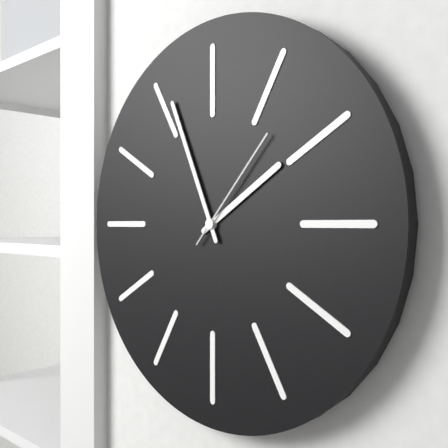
1h56m07s
